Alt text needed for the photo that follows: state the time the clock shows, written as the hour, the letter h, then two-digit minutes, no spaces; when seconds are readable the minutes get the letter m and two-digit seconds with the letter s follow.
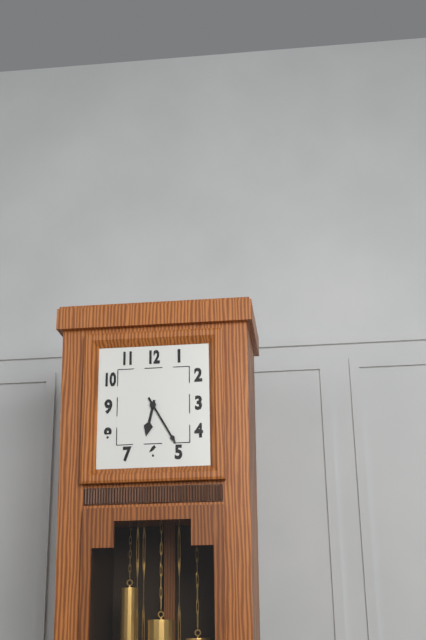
6h25
